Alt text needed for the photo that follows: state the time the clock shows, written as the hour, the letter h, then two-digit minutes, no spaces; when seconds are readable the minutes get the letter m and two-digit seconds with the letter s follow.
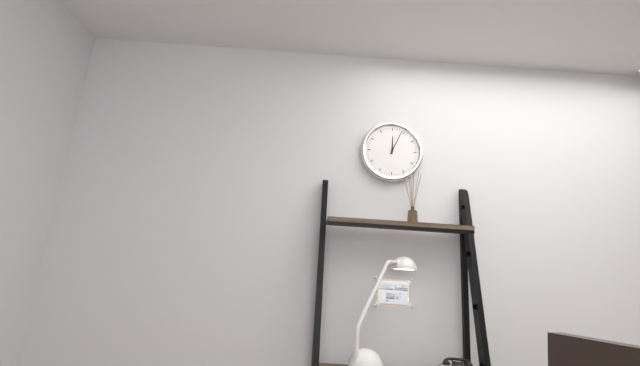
12h04
